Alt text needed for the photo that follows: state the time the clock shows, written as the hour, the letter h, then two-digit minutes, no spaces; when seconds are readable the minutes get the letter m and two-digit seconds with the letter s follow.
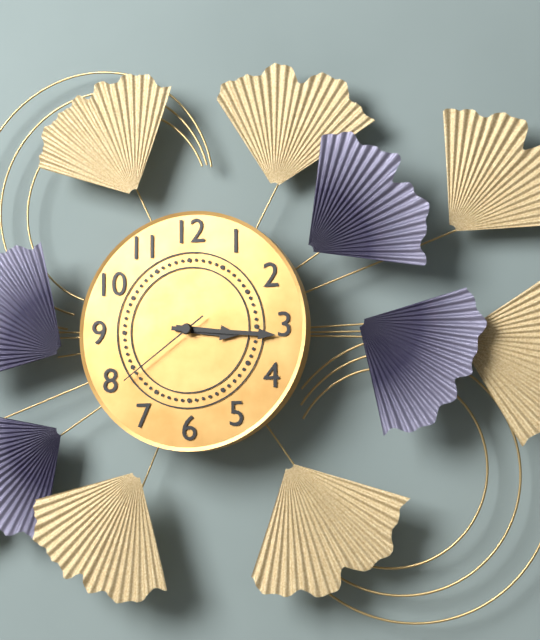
3h16m39s
